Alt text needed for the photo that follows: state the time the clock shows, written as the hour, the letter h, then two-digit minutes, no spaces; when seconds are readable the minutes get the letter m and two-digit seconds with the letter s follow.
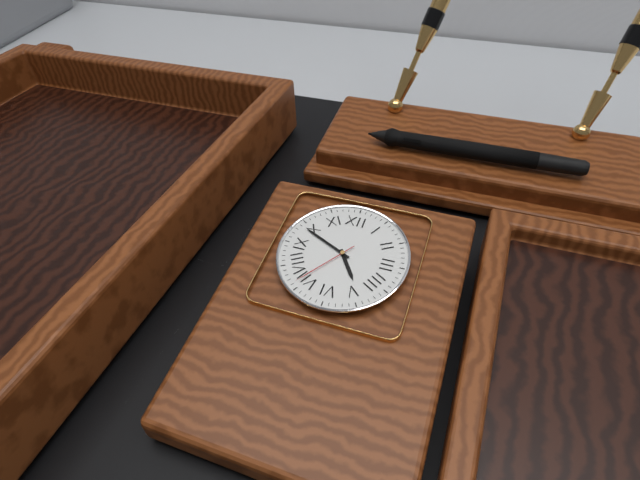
4h49m36s
